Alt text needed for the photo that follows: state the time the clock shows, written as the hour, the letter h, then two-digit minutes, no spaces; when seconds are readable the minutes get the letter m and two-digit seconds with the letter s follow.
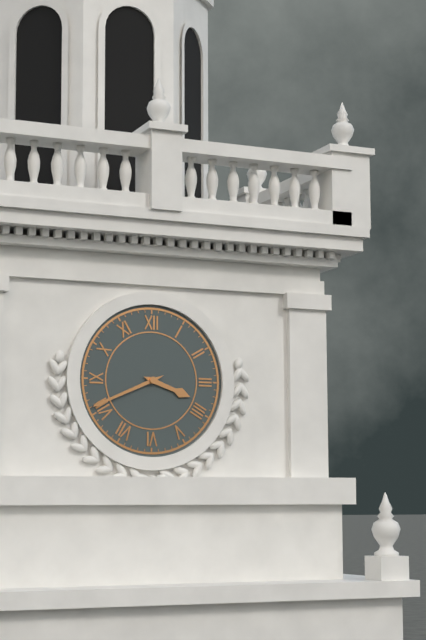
3h41
